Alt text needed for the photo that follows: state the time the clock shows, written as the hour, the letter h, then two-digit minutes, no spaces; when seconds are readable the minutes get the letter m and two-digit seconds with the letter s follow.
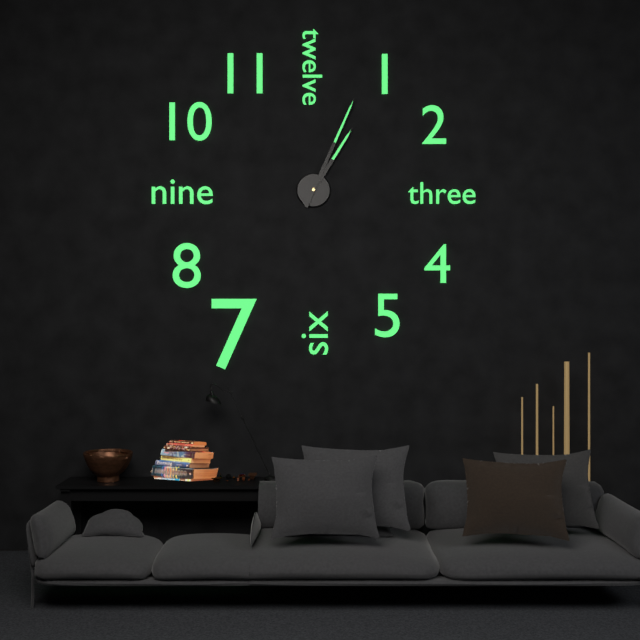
1h04
